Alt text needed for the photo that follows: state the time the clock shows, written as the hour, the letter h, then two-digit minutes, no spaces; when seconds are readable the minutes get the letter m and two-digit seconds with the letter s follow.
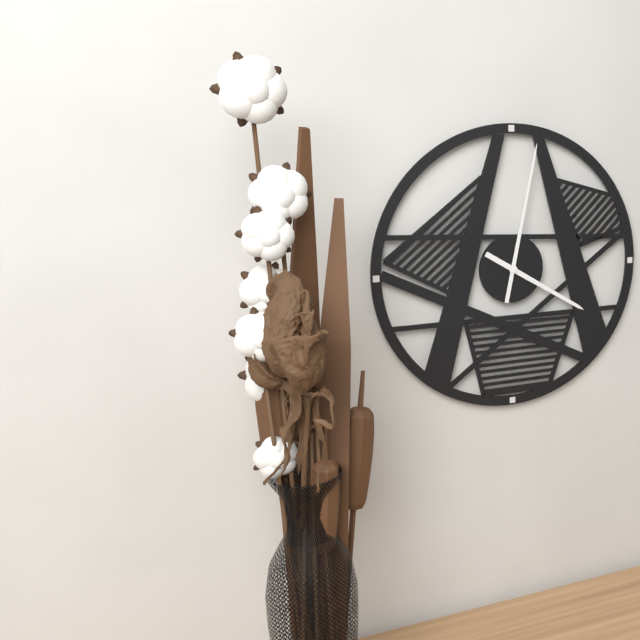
4h02
